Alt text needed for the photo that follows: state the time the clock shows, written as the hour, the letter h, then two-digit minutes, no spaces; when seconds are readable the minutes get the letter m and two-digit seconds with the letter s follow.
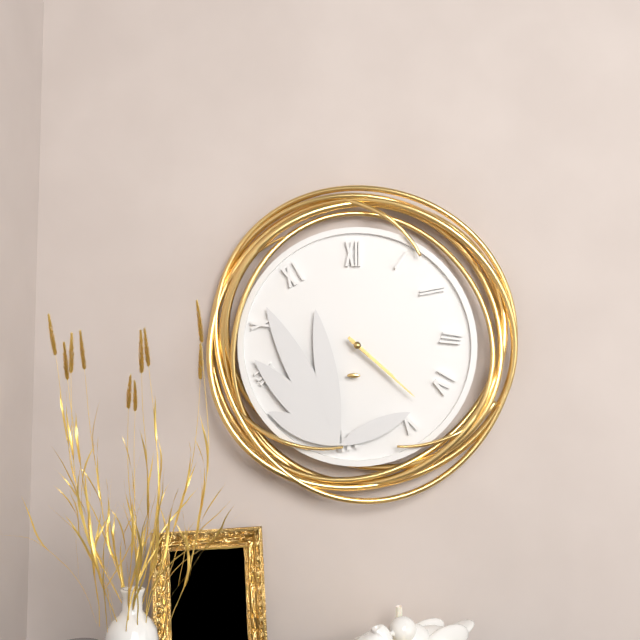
4h22
